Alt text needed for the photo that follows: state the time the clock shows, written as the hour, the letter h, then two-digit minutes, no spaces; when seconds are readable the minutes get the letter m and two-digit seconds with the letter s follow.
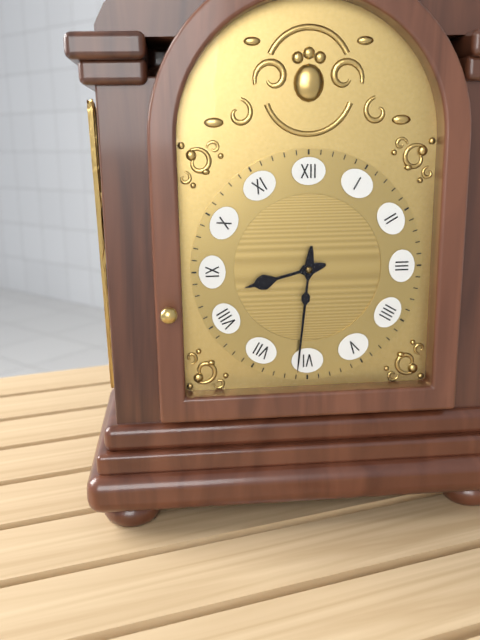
8h31
